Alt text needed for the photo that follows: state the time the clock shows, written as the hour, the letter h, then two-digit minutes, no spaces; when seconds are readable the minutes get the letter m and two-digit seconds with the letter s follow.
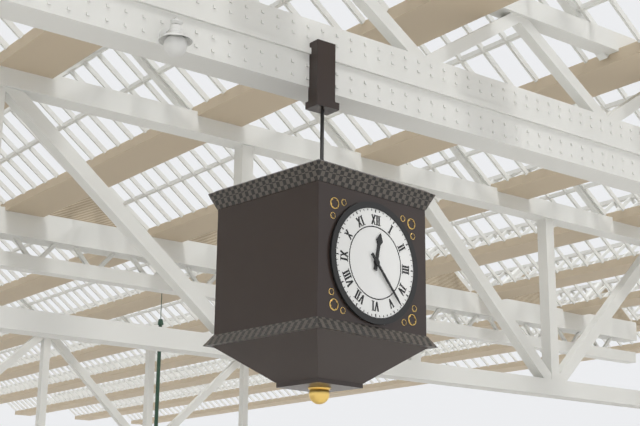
12h23
